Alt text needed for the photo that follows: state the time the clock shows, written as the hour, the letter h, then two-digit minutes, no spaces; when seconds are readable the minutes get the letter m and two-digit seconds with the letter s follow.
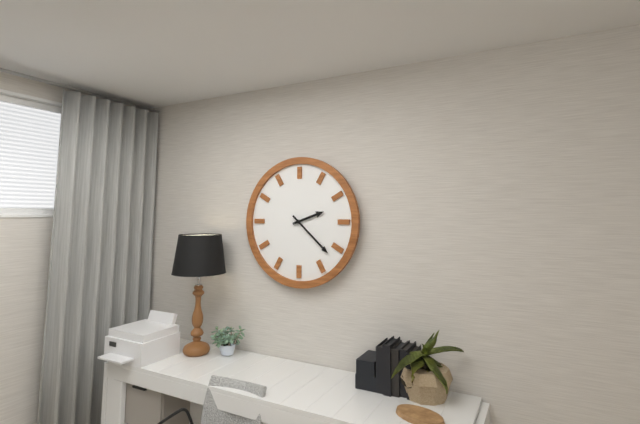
2h22
